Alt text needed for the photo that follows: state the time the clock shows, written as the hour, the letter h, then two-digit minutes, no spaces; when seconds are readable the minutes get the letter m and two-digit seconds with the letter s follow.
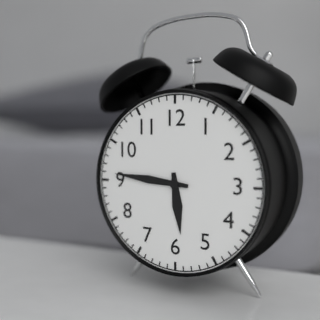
5h46
